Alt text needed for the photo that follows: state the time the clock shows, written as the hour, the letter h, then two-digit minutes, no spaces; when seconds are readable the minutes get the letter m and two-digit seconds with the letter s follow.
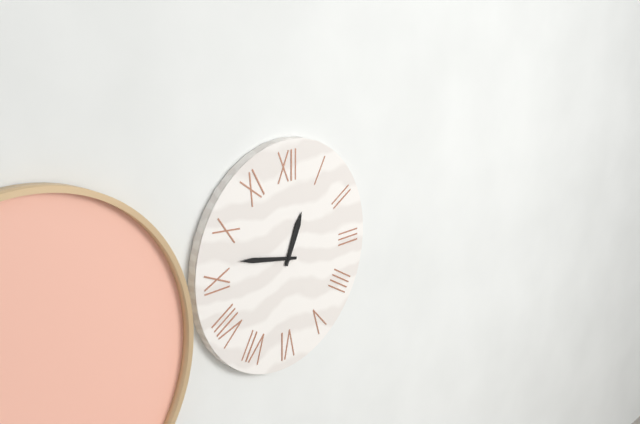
12h47
